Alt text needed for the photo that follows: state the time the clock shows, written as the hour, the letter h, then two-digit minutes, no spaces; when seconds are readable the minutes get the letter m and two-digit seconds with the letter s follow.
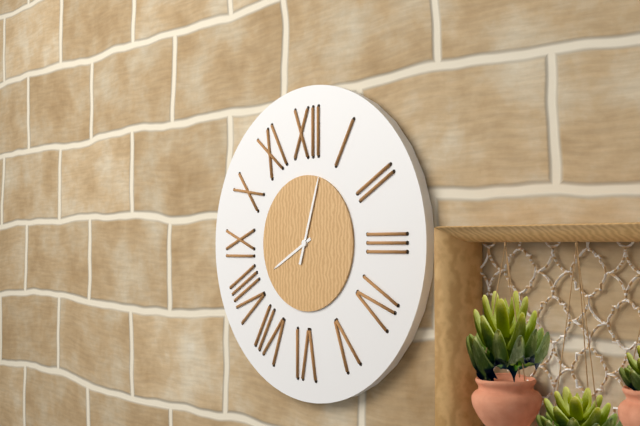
8h03
